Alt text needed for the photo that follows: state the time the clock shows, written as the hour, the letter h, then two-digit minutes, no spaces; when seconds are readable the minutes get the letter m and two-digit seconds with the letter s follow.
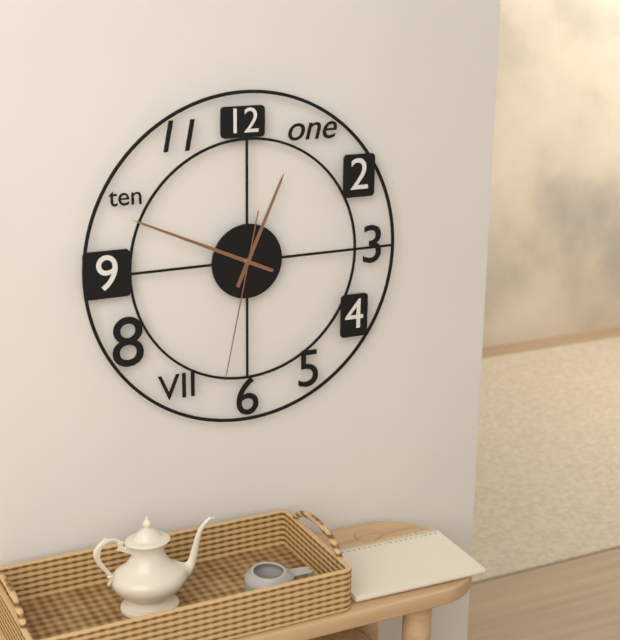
12h49m32s
